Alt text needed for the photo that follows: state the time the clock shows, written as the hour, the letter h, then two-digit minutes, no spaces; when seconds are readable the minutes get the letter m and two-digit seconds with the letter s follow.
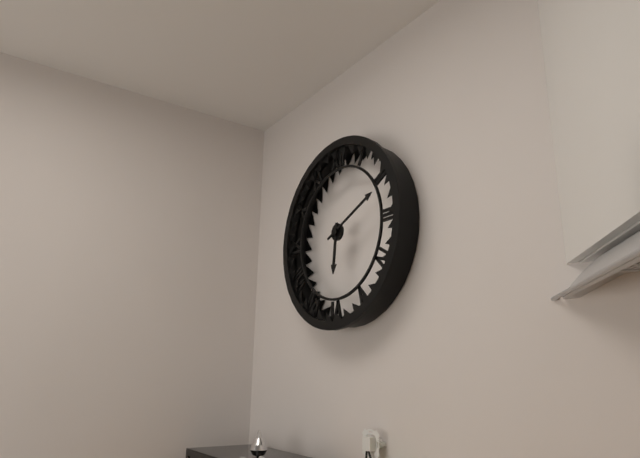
6h11
